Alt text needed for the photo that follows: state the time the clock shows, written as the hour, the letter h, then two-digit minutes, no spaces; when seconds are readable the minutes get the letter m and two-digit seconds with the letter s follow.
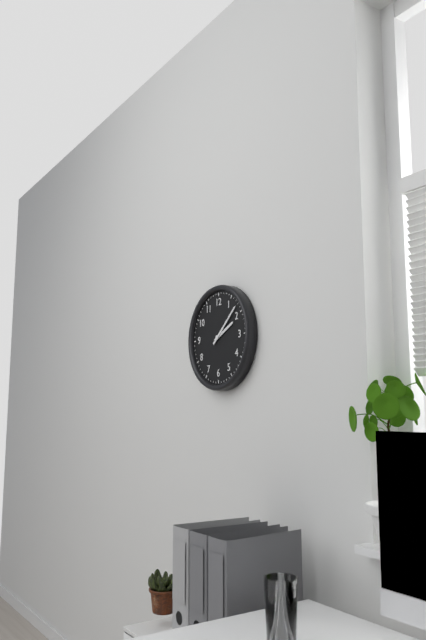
2h08
